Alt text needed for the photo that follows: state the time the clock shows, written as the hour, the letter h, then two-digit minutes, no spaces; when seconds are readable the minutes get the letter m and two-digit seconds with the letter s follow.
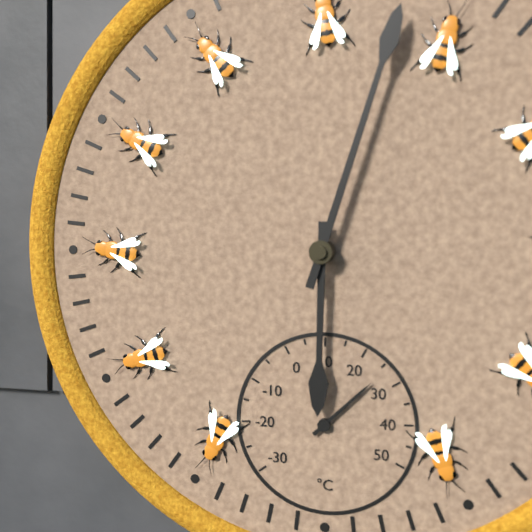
6h03
